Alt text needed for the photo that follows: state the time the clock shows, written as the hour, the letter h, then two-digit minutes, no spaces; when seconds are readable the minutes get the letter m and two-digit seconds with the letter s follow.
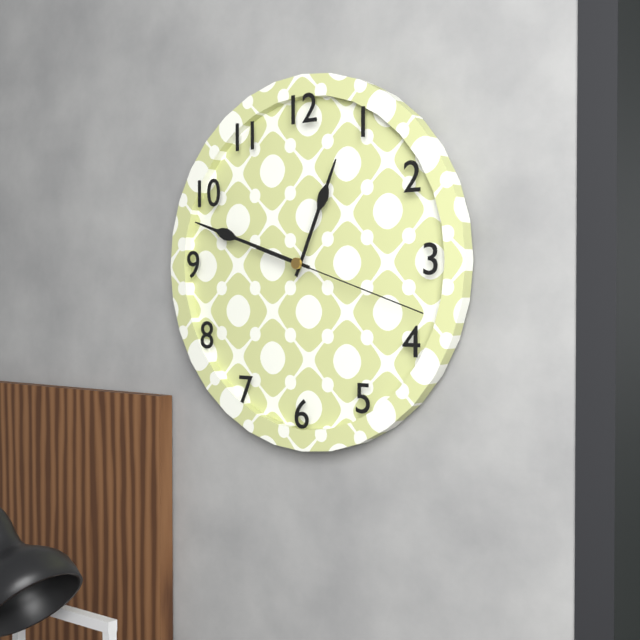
12h48m18s
